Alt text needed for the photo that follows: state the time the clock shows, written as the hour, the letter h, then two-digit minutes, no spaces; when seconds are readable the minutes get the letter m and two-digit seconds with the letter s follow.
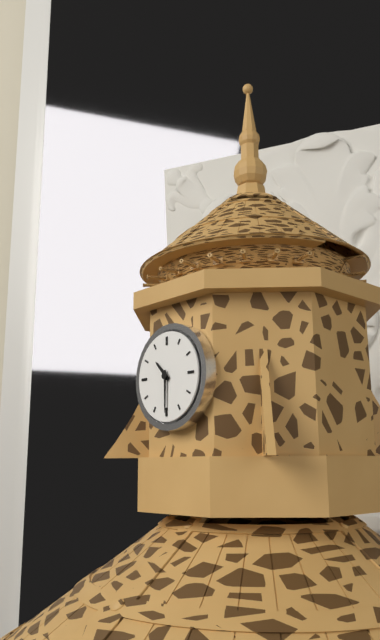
10h30
